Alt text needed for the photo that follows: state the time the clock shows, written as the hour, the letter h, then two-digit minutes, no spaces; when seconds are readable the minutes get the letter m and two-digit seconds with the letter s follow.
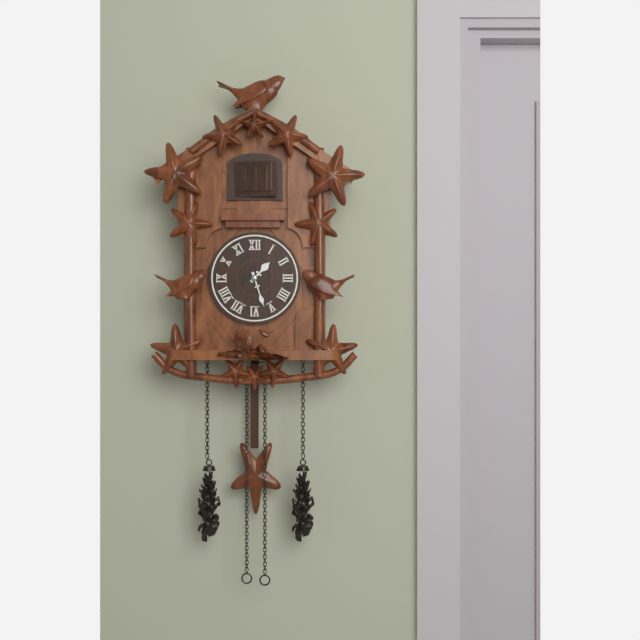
1h27
